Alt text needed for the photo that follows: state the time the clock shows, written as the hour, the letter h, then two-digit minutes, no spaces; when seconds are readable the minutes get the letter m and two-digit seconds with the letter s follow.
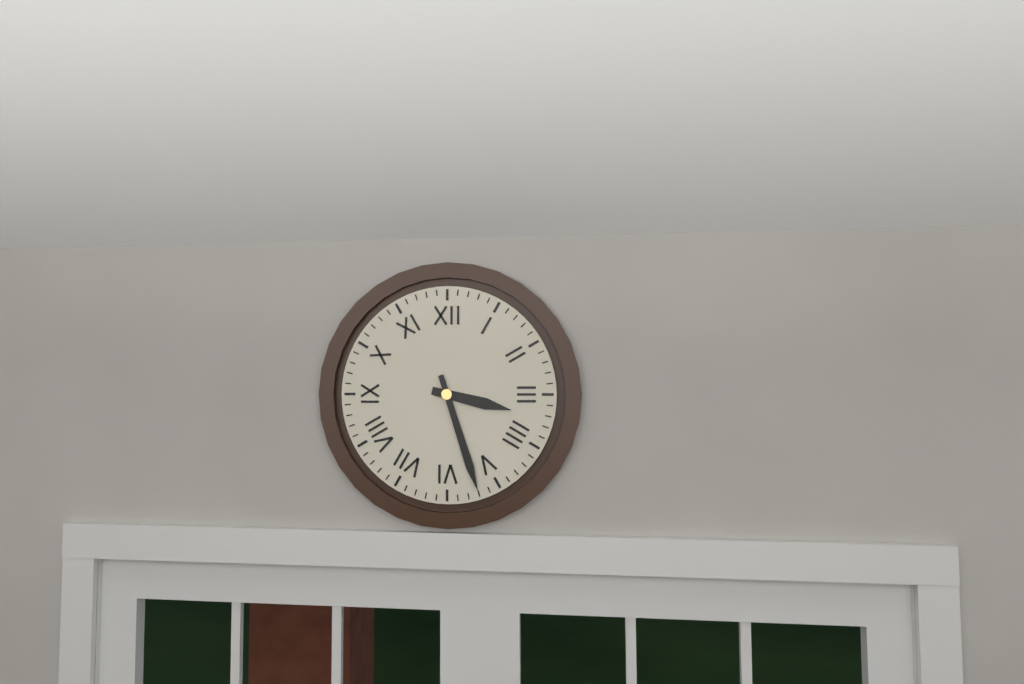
3h27
